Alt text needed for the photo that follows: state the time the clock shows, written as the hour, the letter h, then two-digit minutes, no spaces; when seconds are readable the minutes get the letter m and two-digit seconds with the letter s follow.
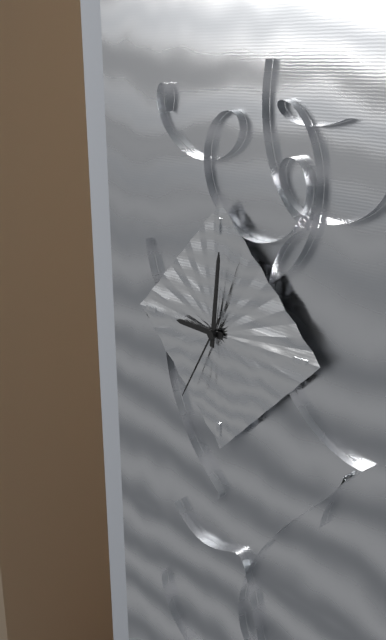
9h01m35s
